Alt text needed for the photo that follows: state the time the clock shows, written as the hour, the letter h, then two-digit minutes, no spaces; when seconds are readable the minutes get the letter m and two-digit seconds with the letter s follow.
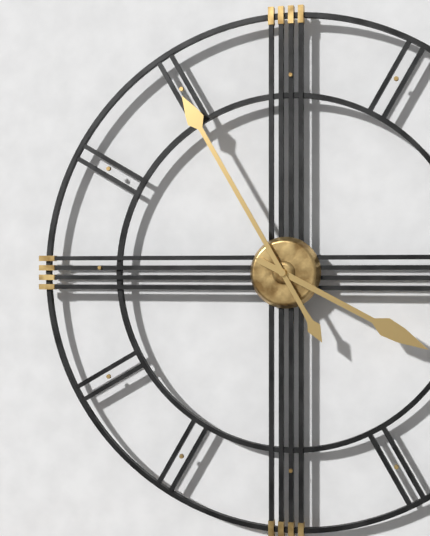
3h55
